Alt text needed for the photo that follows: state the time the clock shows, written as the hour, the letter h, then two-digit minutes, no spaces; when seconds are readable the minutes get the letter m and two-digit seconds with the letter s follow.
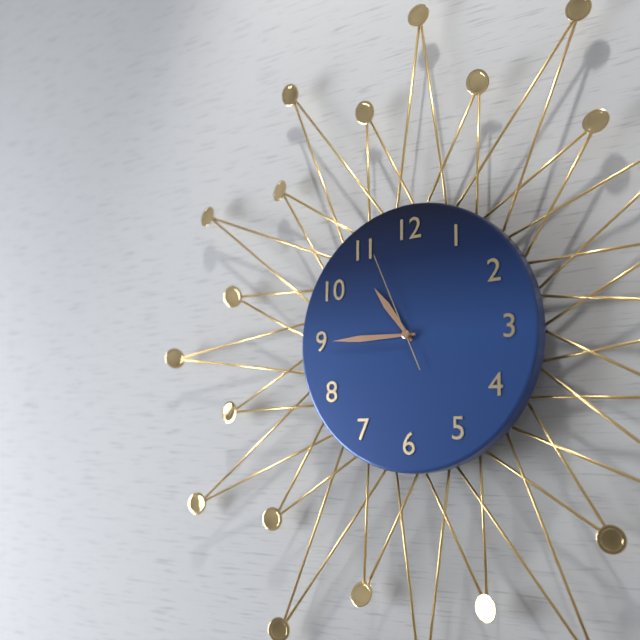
10h45m56s
